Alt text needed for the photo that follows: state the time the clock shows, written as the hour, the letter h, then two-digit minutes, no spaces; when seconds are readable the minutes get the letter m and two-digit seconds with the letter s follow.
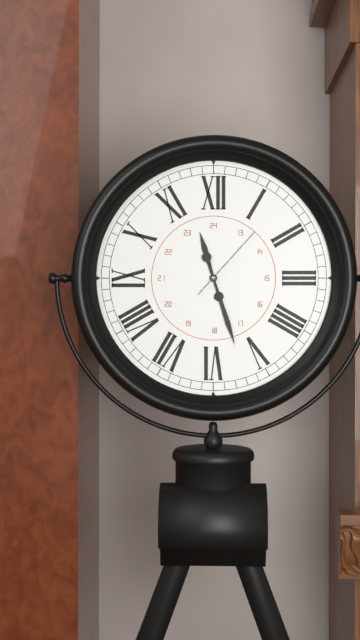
11h27m07s
